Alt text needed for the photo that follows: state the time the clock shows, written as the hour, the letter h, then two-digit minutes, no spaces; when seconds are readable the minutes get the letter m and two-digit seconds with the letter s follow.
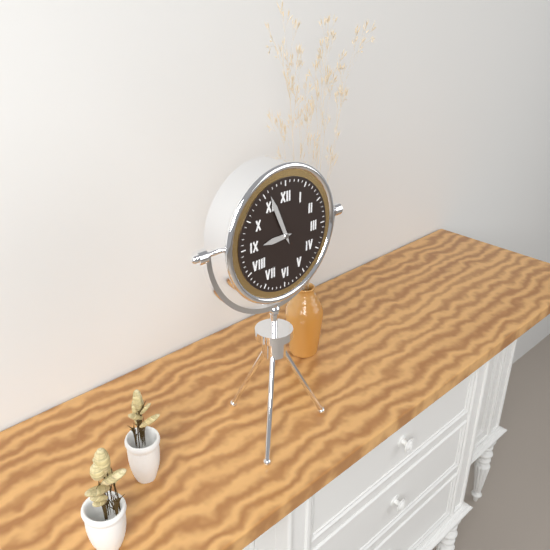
8h56
